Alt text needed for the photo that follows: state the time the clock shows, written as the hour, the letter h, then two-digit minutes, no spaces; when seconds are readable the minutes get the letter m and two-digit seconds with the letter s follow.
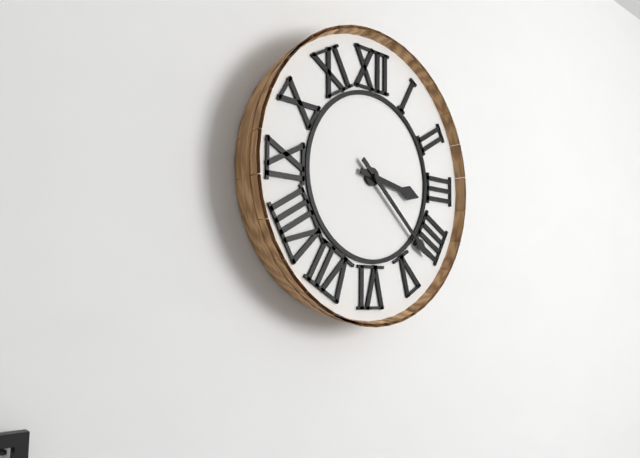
3h22
